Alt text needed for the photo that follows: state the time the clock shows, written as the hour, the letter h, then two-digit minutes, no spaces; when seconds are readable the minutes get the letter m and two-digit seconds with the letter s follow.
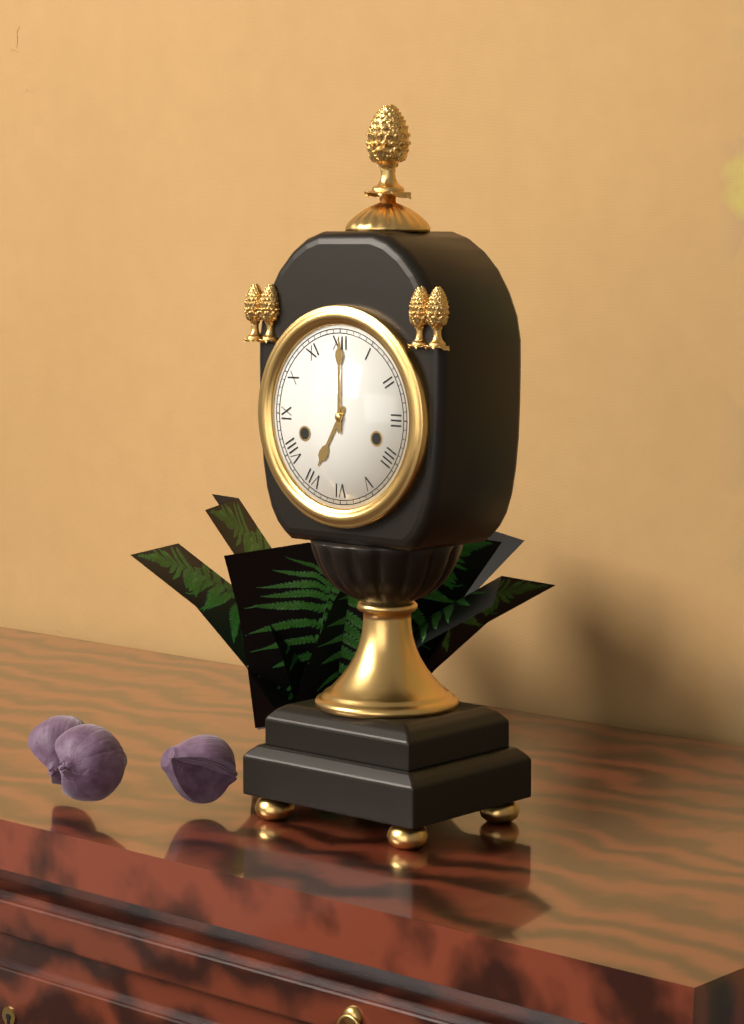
7h00
